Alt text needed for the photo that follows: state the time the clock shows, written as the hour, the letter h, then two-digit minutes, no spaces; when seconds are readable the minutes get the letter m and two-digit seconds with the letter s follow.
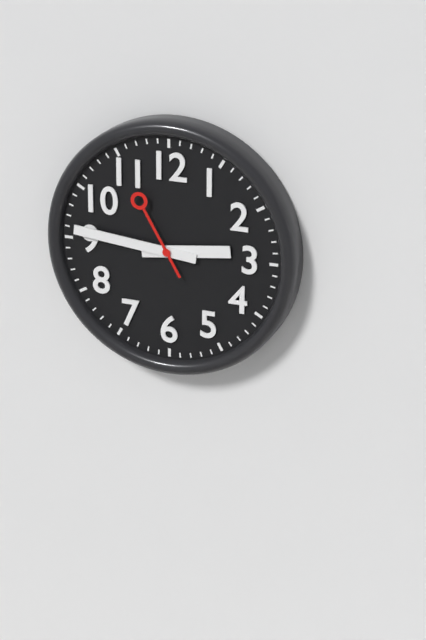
2h46m55s
